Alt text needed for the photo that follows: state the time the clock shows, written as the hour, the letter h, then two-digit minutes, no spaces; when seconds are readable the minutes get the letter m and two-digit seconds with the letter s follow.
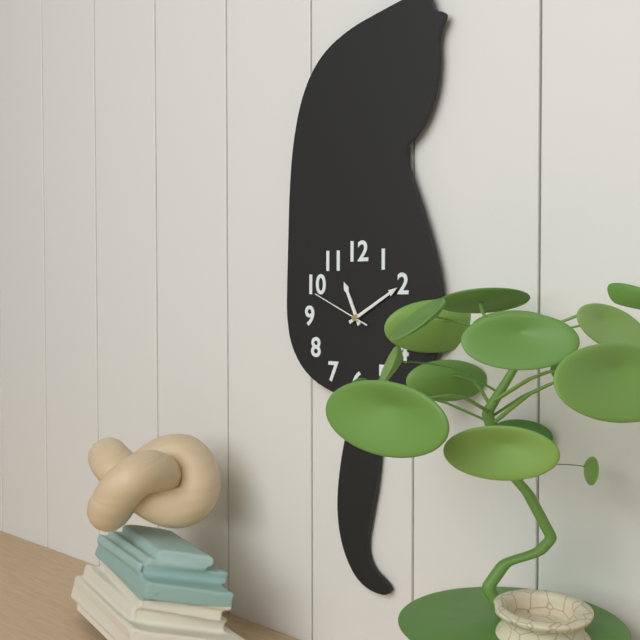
11h10m49s
